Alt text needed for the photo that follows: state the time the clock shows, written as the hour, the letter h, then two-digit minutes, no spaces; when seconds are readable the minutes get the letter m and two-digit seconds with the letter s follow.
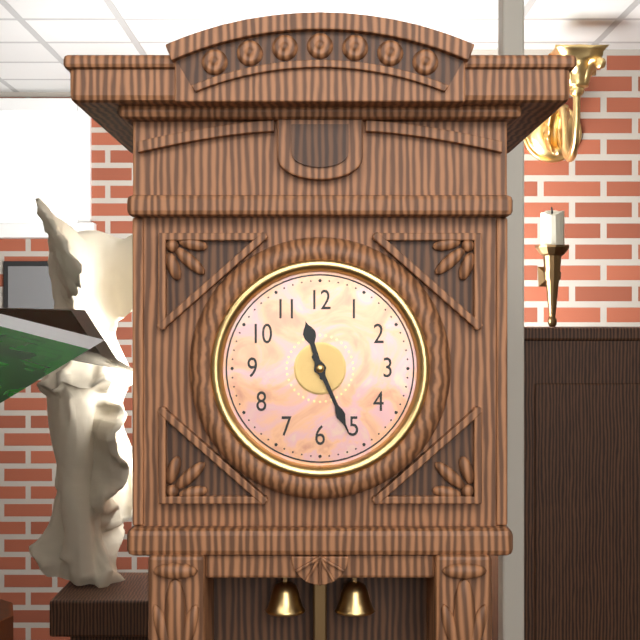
11h26
